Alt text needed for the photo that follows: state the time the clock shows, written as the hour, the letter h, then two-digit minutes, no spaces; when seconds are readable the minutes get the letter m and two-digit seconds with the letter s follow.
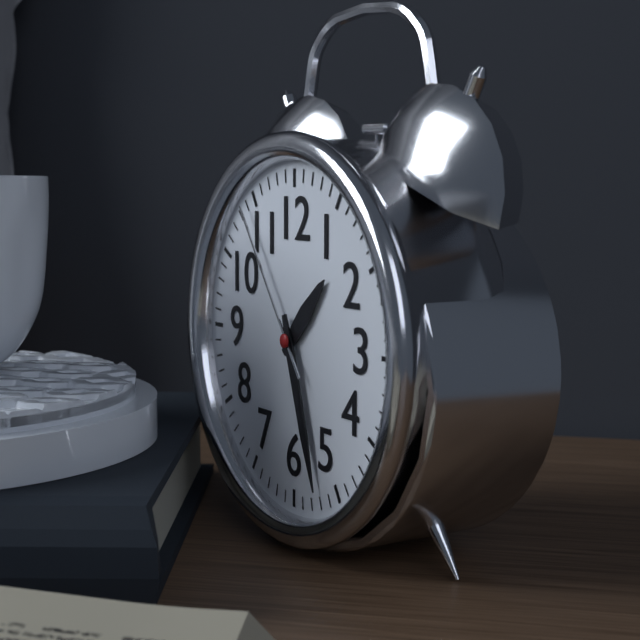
1h27m54s
